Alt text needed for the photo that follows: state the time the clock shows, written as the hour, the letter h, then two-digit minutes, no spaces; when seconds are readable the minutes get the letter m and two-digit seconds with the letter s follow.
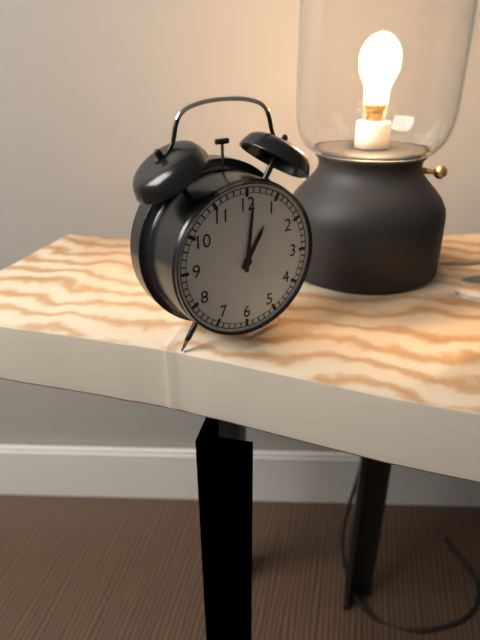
1h01
